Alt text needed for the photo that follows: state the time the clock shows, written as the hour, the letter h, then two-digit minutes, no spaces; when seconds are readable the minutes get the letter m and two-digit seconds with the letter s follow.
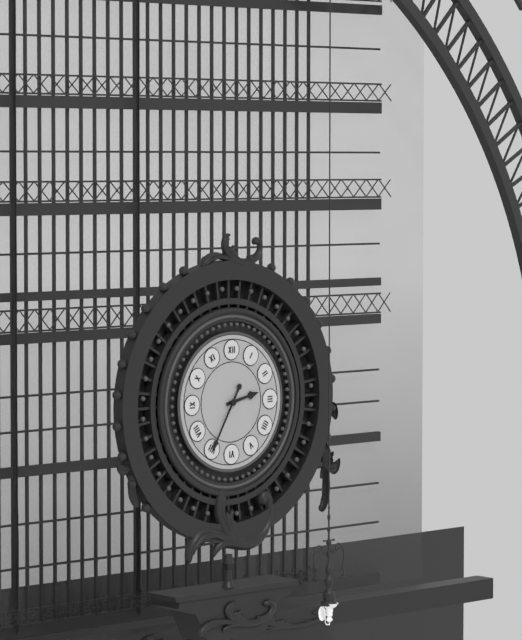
2h35
